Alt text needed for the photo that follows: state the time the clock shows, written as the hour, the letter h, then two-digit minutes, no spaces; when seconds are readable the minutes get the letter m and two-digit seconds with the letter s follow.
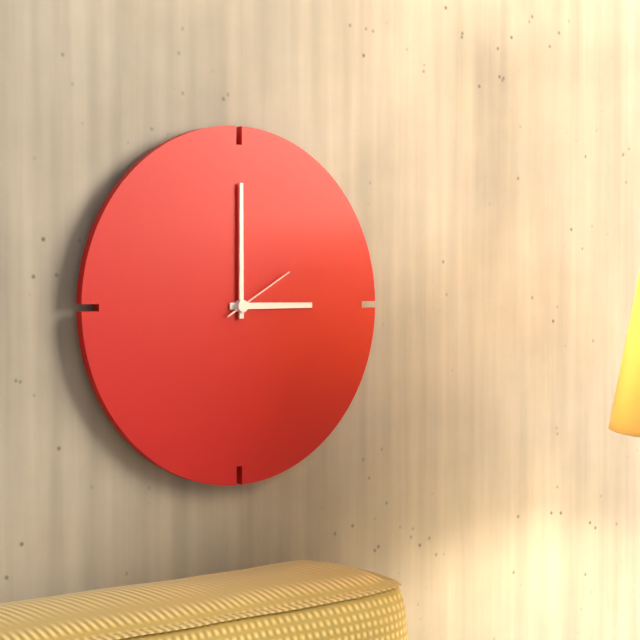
3h00m10s
